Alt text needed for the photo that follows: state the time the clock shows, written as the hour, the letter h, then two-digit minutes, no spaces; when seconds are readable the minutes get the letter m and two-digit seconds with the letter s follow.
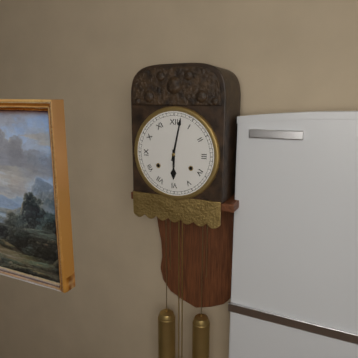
6h02
